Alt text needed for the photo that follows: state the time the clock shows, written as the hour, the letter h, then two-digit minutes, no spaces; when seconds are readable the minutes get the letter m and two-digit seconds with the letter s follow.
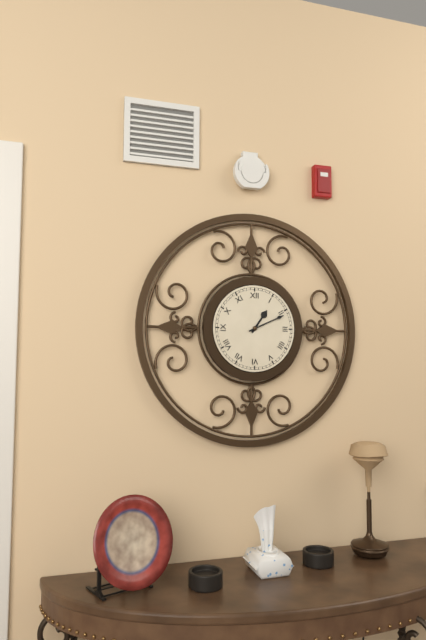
1h11
